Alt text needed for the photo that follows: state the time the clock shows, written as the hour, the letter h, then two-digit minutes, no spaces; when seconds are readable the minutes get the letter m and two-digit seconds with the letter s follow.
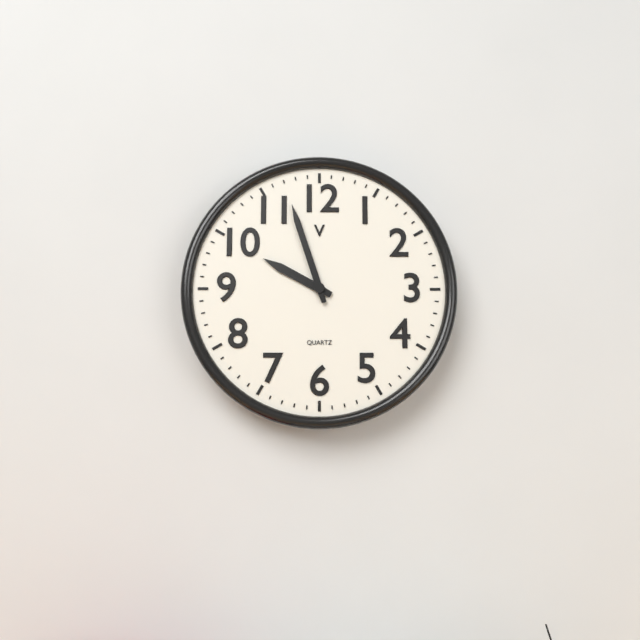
9h57
